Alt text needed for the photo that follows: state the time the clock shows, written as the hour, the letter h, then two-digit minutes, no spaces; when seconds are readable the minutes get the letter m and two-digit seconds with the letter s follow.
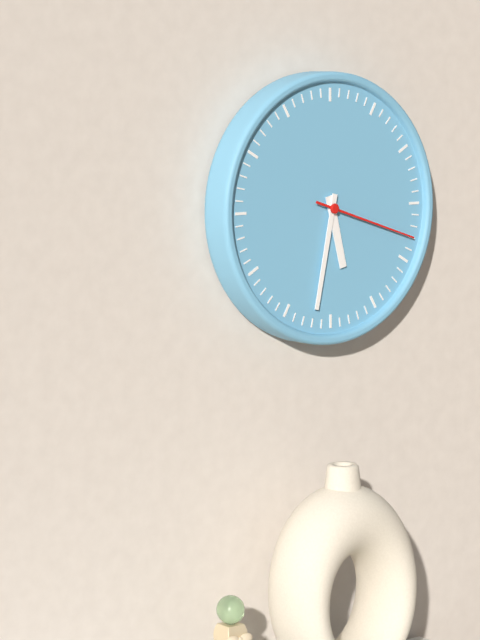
5h32m18s
